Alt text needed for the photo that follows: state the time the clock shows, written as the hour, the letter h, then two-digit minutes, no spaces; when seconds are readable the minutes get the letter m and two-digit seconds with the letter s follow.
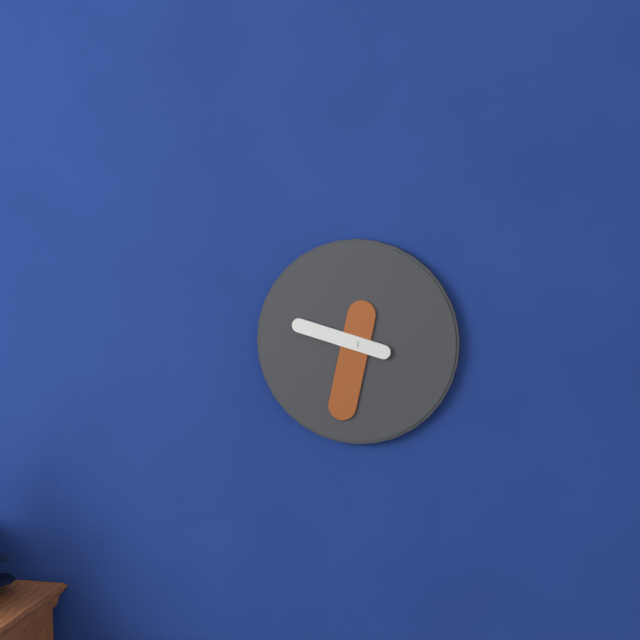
9h32
